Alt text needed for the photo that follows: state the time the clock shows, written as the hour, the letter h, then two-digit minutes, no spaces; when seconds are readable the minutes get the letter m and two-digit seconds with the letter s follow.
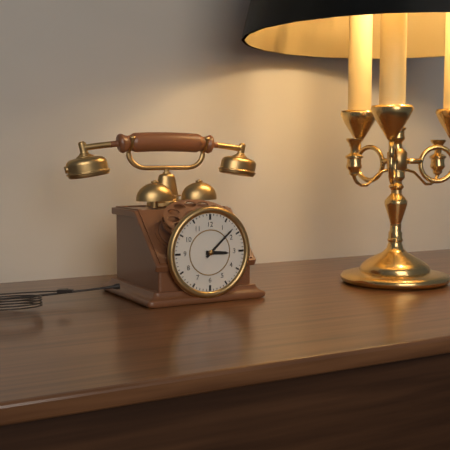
3h08
